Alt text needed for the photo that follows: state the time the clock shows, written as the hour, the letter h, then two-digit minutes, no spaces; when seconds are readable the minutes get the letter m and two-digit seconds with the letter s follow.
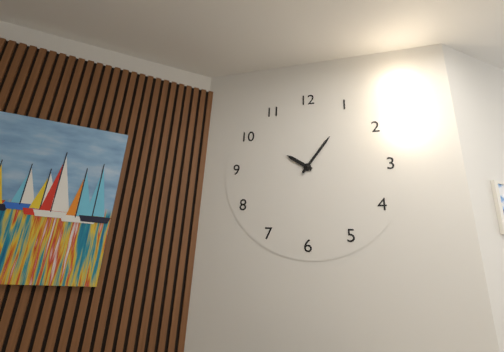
10h06
